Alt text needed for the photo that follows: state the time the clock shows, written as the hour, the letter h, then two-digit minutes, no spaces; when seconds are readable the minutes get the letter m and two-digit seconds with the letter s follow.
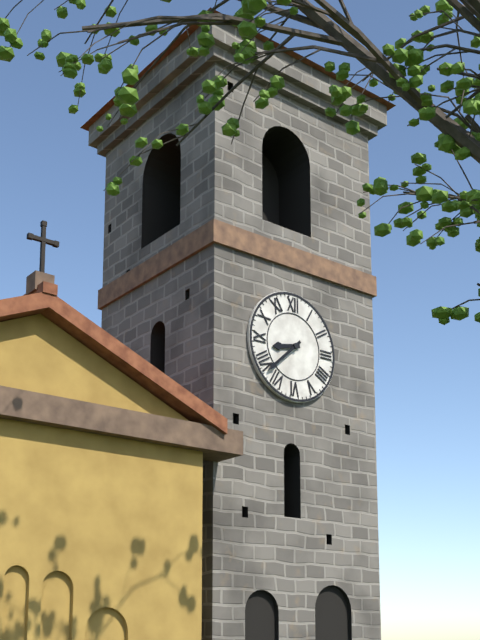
8h38
